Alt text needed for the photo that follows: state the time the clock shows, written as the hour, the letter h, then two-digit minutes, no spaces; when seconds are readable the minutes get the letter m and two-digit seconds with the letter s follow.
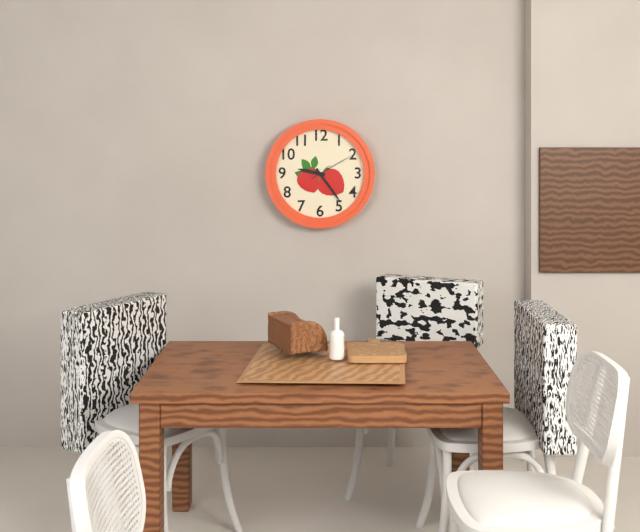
9h24
